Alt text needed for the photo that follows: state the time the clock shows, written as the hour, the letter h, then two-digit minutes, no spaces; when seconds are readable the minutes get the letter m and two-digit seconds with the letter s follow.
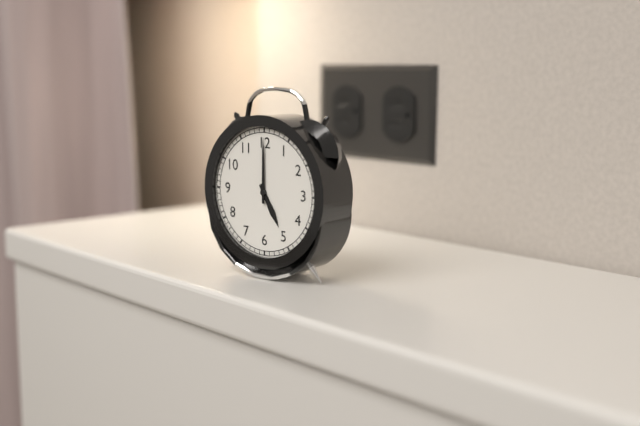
5h00
